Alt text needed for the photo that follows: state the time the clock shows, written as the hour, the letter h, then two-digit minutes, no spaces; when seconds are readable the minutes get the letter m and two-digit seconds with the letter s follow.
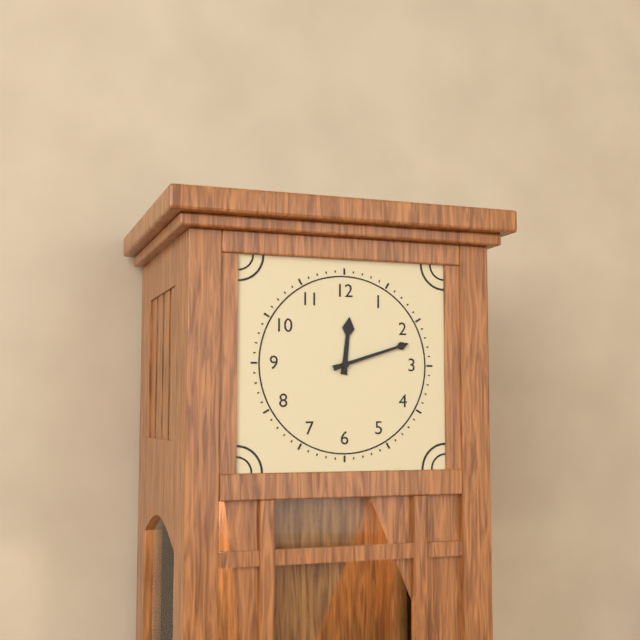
12h12
